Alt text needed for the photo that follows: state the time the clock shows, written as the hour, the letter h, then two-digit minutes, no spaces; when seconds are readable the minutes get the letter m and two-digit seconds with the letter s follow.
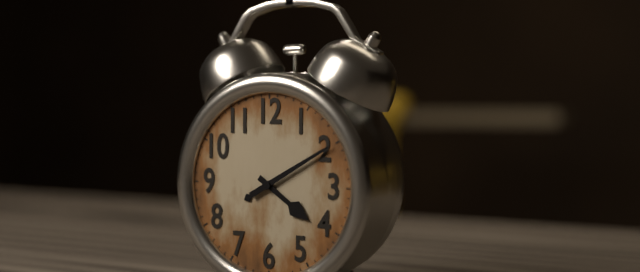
4h10
